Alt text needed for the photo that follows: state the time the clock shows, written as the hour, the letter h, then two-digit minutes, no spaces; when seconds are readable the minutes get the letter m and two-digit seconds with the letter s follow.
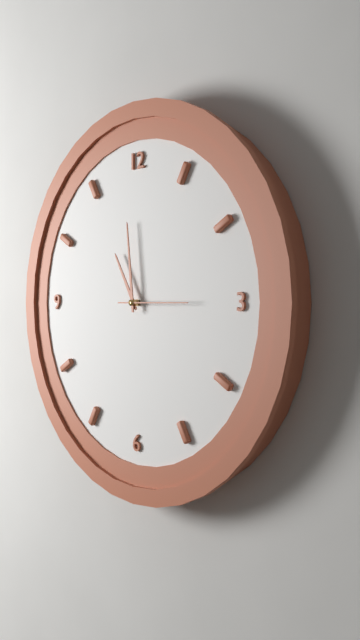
10h59m15s
